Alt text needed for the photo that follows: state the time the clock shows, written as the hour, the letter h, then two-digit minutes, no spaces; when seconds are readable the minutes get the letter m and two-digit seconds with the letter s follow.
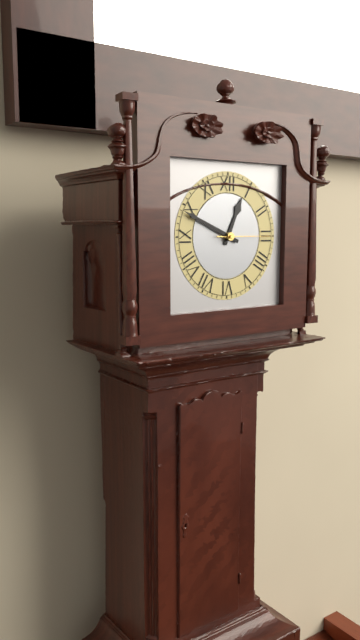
12h49m15s
